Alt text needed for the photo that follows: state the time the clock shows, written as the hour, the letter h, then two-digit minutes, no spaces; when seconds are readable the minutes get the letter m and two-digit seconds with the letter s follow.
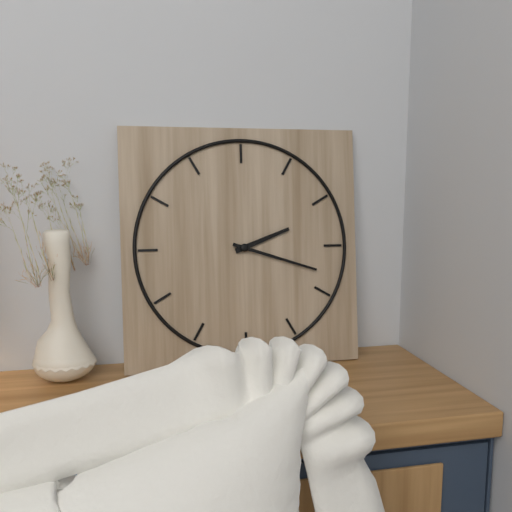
2h18
